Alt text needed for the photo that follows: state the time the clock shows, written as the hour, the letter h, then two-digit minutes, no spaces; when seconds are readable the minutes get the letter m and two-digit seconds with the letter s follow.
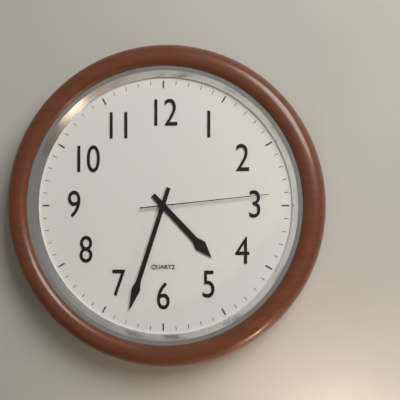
4h33m14s
